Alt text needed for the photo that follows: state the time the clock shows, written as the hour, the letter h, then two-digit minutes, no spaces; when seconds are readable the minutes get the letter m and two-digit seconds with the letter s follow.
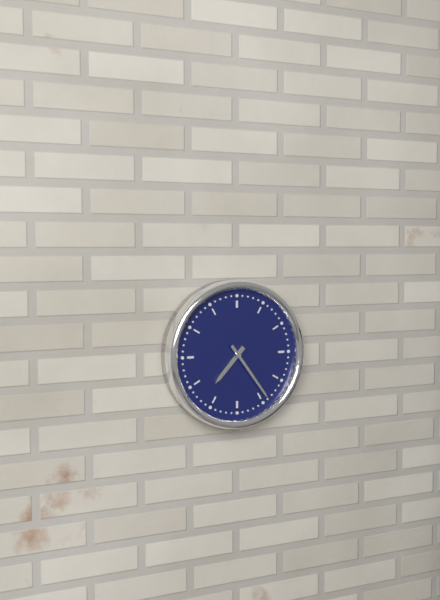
7h24
